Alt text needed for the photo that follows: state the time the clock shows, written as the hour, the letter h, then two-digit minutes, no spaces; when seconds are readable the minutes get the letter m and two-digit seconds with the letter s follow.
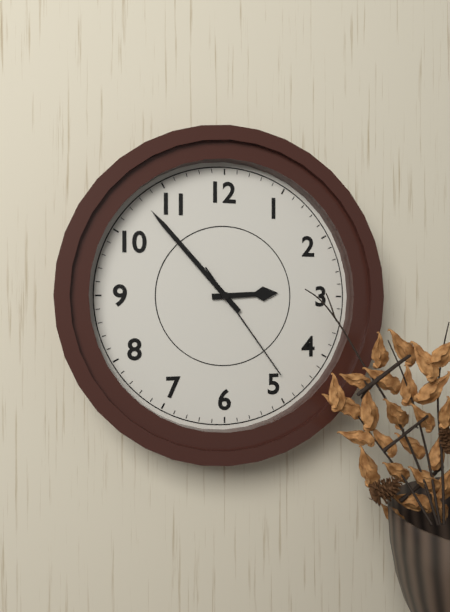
2h53m24s
